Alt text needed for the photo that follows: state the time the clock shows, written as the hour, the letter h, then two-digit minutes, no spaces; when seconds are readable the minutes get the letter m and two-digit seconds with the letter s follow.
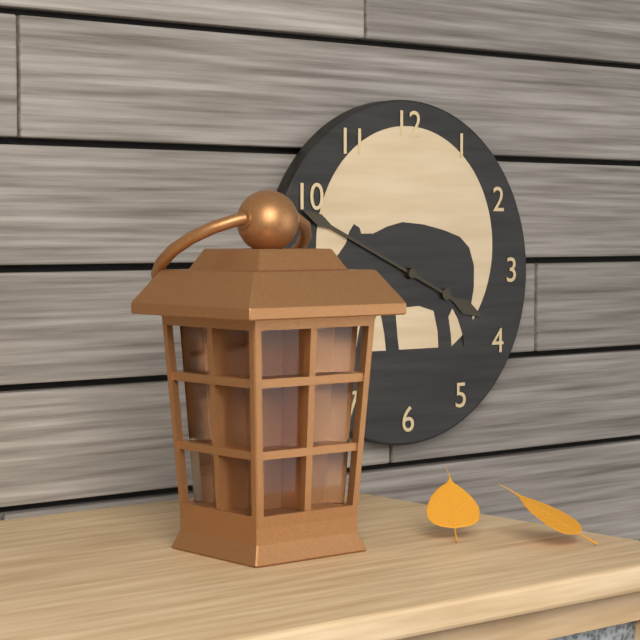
3h49
